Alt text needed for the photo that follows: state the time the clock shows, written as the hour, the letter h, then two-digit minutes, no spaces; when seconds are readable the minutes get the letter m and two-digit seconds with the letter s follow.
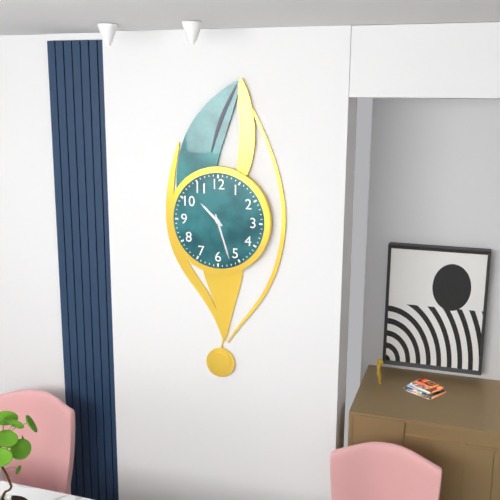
10h27
